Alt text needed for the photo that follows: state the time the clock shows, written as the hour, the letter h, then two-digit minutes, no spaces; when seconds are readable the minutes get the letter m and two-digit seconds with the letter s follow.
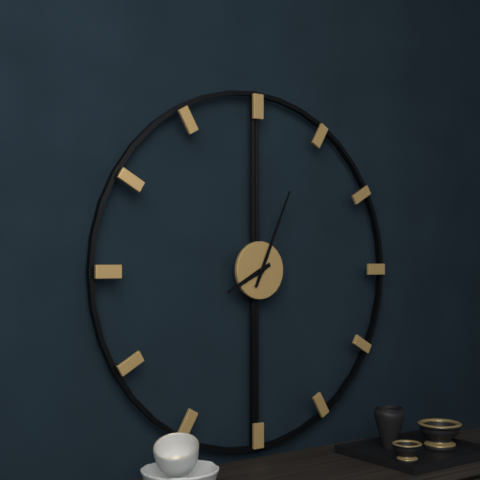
8h04
